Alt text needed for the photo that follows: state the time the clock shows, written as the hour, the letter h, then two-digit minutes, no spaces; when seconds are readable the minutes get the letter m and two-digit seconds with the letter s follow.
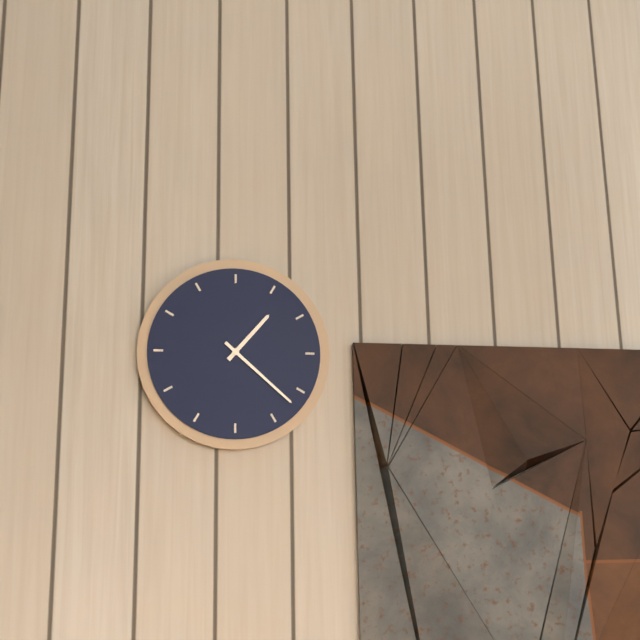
1h22
